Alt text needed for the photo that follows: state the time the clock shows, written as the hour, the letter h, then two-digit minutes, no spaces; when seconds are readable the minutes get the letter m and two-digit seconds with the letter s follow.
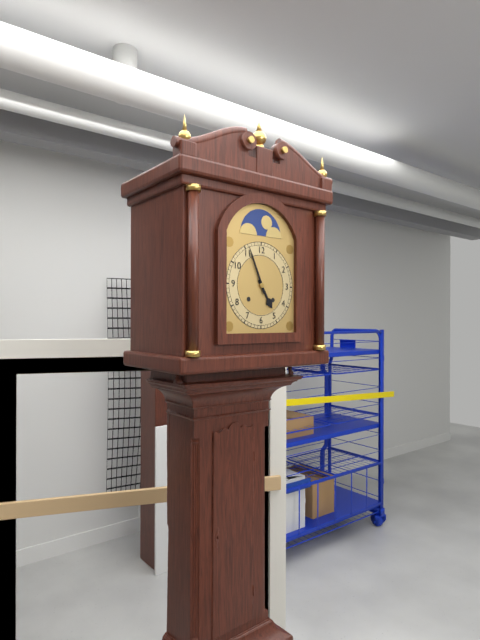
4h56
